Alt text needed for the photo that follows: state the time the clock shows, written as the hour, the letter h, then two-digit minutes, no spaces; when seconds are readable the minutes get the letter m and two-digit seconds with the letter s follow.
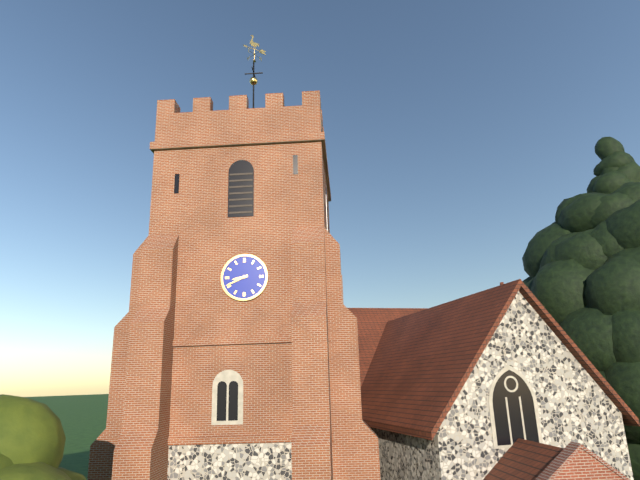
8h41
